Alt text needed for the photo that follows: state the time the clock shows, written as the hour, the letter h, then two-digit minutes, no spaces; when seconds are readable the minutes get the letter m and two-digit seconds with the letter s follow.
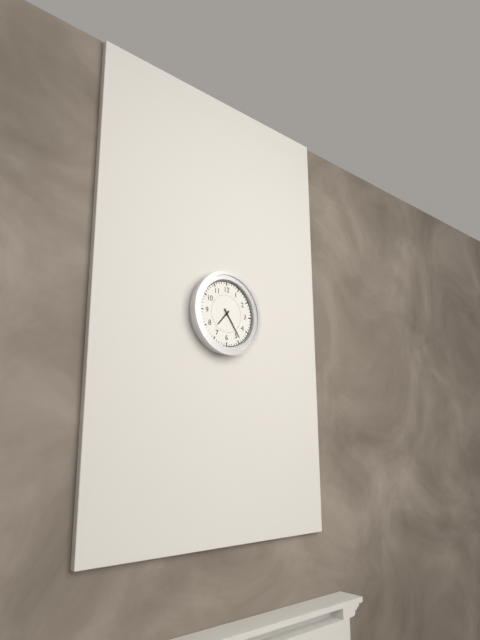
7h24
